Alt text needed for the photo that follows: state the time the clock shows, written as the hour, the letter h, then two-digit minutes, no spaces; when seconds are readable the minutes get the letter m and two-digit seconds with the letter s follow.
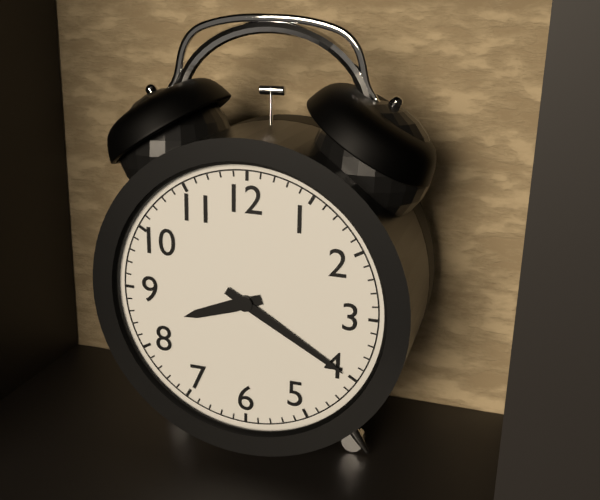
8h20
